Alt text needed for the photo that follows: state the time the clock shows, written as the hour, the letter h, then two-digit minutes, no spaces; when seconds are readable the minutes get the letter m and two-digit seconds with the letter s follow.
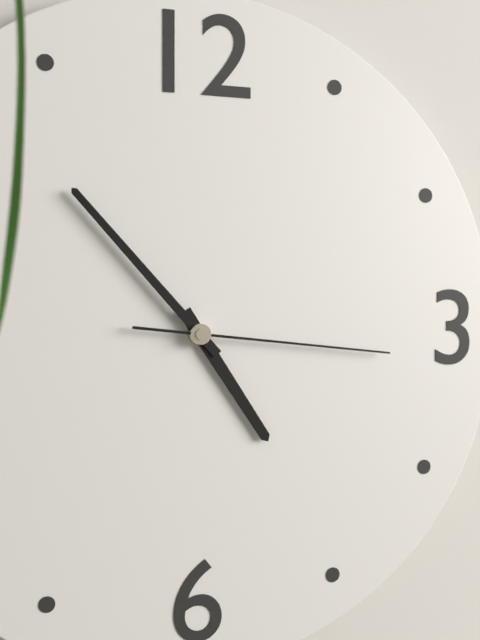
4h53m16s
